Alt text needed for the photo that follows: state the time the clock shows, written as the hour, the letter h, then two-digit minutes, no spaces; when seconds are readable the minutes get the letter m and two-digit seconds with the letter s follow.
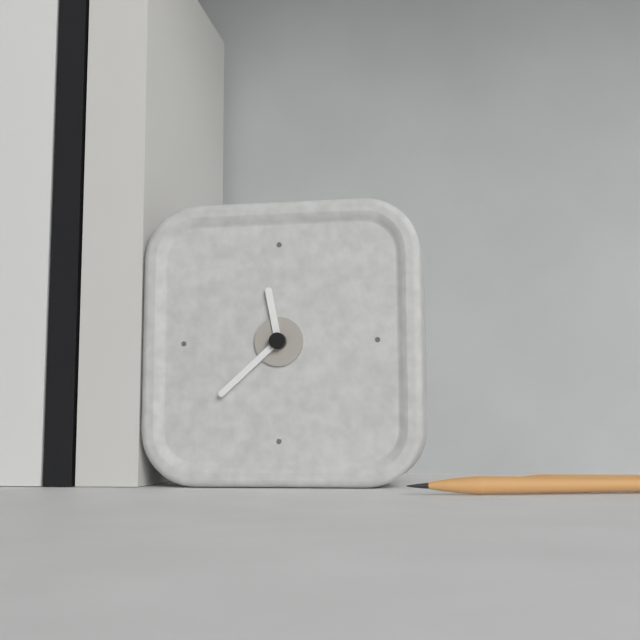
11h38
